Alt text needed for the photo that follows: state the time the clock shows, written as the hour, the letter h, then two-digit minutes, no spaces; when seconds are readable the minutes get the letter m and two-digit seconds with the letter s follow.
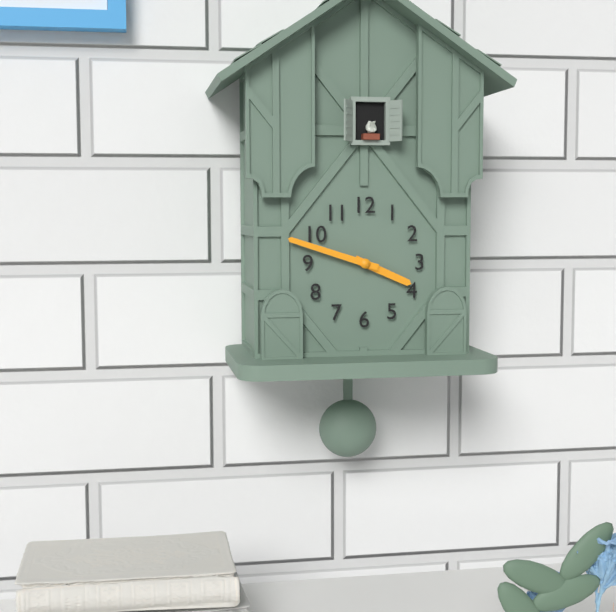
3h48
